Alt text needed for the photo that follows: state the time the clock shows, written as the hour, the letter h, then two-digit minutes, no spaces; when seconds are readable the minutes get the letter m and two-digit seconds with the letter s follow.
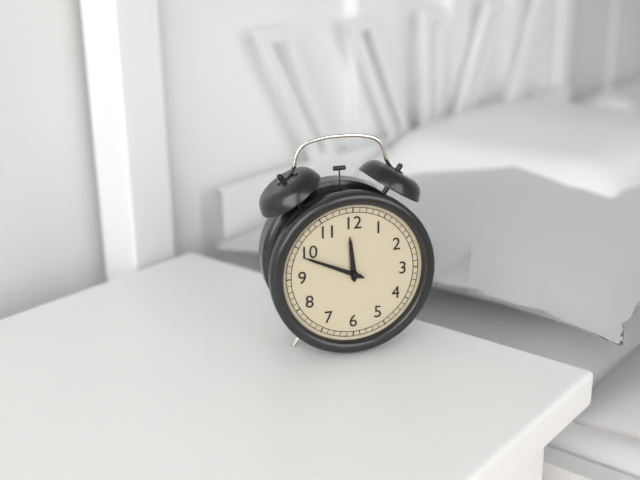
11h49
